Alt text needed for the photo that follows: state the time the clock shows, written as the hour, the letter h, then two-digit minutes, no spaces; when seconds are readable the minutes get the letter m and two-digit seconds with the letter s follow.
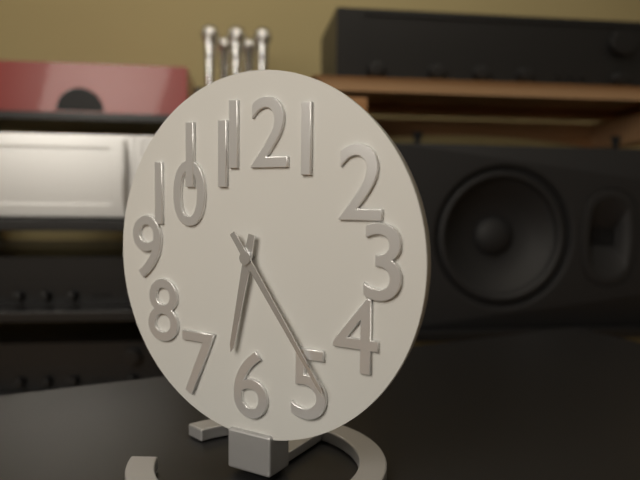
6h24
